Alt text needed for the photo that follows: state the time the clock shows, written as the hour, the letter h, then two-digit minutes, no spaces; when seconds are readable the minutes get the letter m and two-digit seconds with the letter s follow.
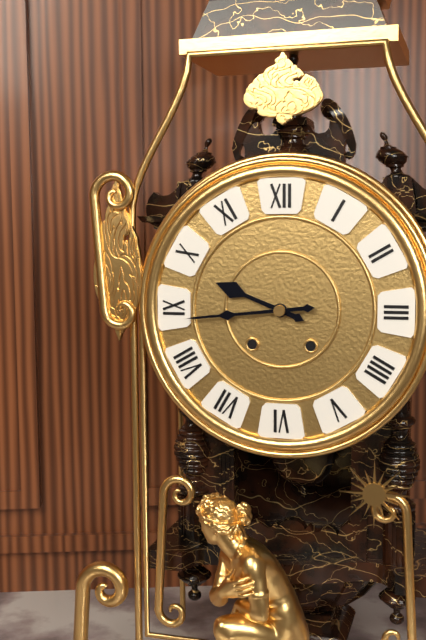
9h44
